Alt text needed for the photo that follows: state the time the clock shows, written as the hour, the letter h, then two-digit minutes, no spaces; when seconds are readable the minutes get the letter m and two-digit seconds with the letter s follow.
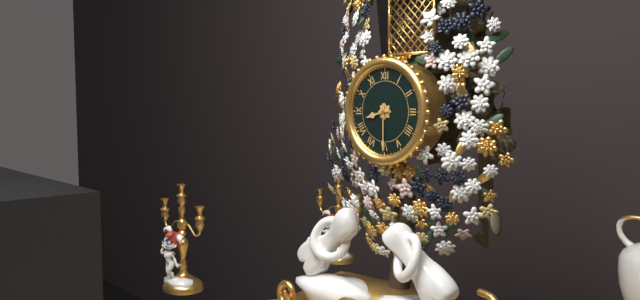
8h30
